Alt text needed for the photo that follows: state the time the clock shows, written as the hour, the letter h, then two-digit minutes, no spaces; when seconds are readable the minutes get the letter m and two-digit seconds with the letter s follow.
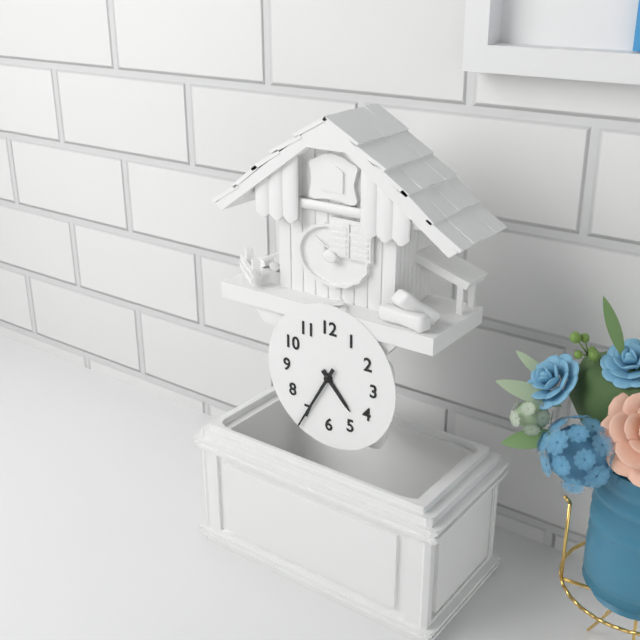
4h35
